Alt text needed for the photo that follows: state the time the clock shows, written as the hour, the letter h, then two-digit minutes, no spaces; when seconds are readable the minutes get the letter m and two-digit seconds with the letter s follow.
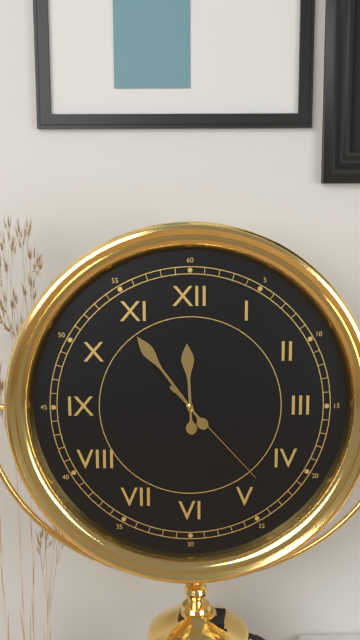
11h54m23s
